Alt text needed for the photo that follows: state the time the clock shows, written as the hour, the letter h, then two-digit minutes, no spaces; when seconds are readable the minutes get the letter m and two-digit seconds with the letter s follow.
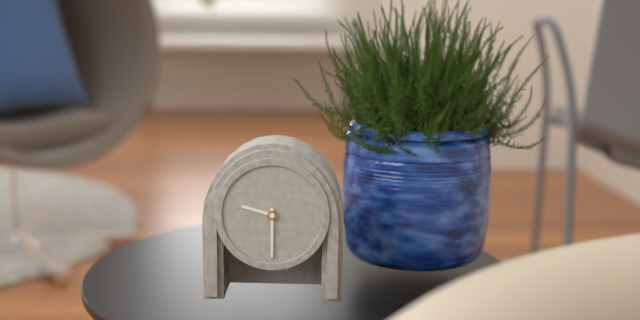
9h30
